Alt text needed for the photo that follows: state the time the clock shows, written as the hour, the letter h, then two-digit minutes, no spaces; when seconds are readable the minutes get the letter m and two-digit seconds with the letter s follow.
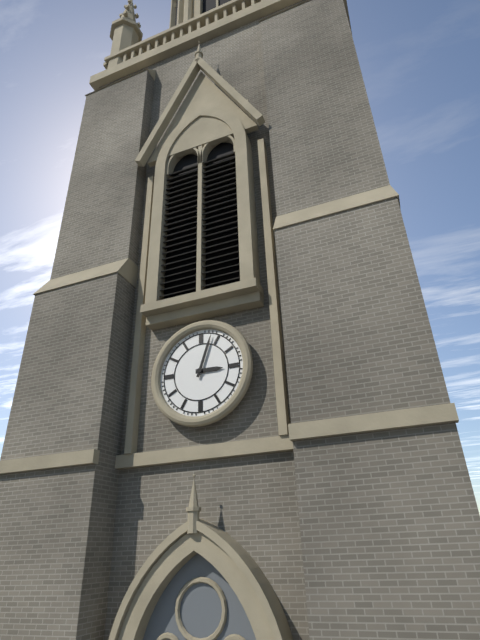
3h03
